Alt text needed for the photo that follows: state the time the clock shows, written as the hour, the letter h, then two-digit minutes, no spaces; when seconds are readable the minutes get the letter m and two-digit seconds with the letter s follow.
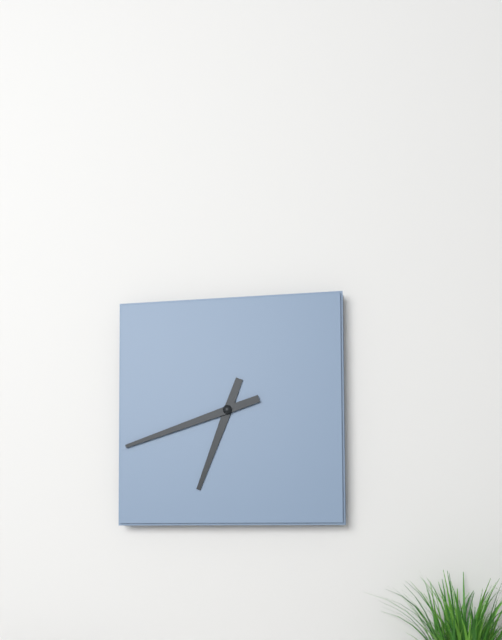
6h42
